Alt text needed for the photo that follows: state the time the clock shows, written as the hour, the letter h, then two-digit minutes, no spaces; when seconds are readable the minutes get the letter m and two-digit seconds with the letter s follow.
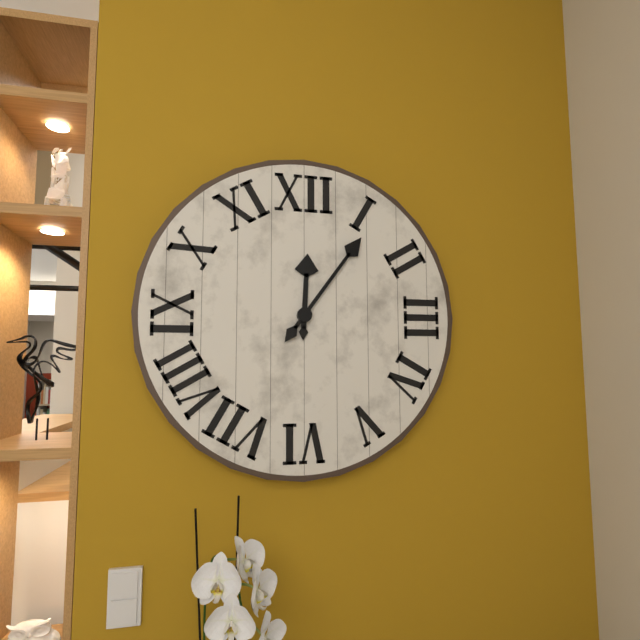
12h06
